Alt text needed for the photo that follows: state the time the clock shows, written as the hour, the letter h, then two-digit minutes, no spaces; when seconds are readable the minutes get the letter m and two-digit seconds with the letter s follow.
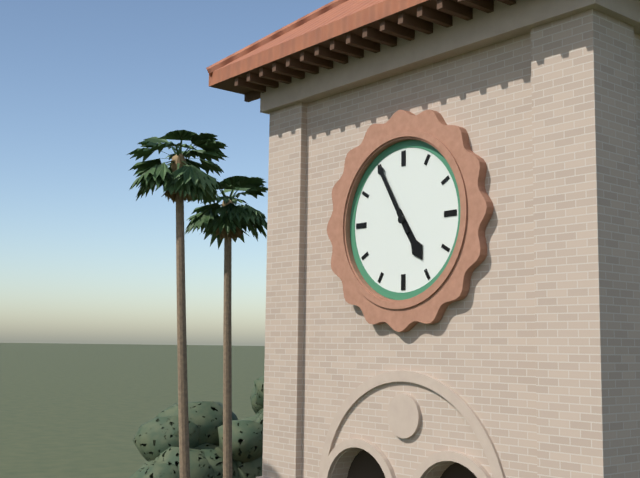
4h55
